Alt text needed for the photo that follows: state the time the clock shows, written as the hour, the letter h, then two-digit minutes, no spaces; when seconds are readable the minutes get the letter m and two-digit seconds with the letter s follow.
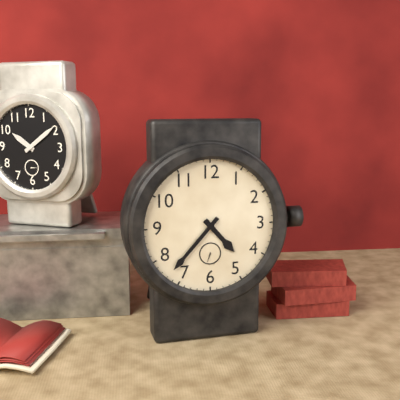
4h37
